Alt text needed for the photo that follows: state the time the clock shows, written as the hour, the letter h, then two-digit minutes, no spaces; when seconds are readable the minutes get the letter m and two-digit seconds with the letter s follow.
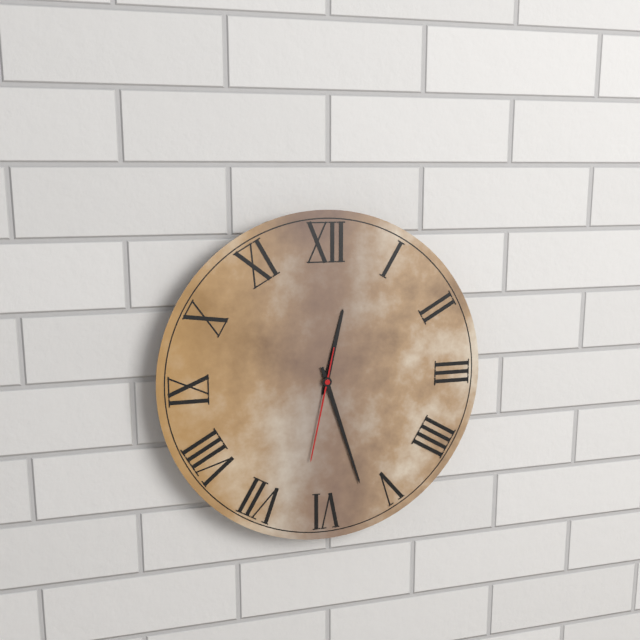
12h27m32s
